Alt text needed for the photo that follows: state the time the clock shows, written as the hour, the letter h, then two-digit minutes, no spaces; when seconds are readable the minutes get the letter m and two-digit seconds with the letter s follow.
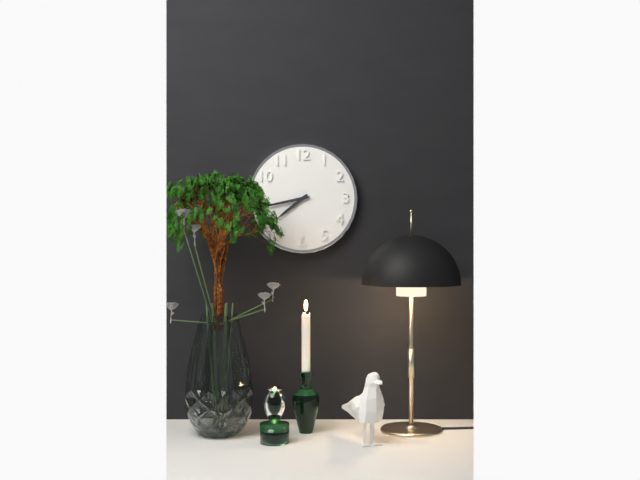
7h43
